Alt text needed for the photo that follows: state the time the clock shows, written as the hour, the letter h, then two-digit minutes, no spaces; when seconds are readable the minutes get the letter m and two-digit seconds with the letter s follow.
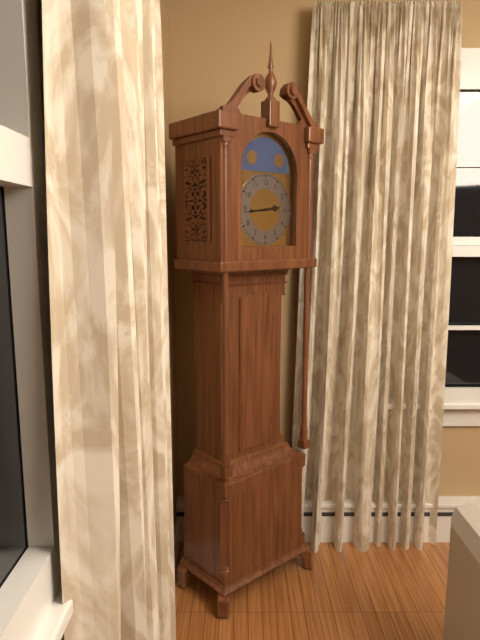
2h44
